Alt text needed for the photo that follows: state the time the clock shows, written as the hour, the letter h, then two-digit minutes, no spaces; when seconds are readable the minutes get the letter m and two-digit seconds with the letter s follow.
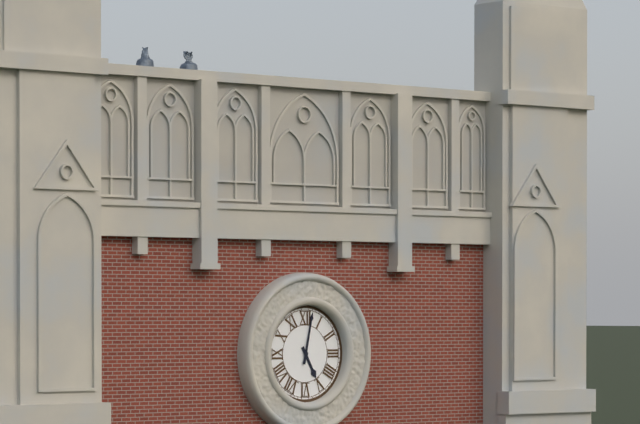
5h02
